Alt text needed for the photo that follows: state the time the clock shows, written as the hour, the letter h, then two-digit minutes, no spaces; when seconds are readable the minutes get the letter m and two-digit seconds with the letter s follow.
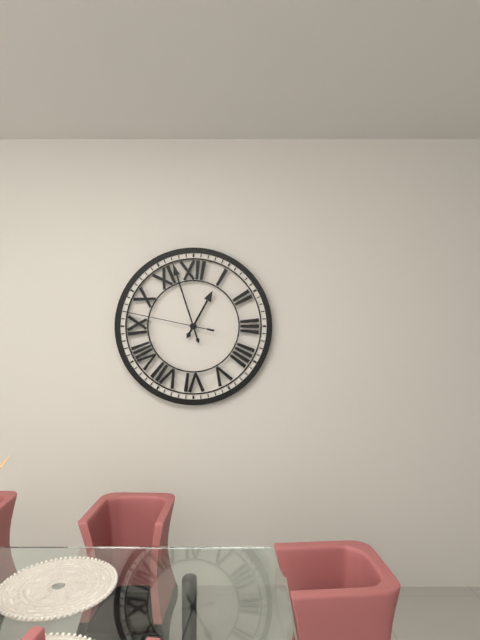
12h57m47s
